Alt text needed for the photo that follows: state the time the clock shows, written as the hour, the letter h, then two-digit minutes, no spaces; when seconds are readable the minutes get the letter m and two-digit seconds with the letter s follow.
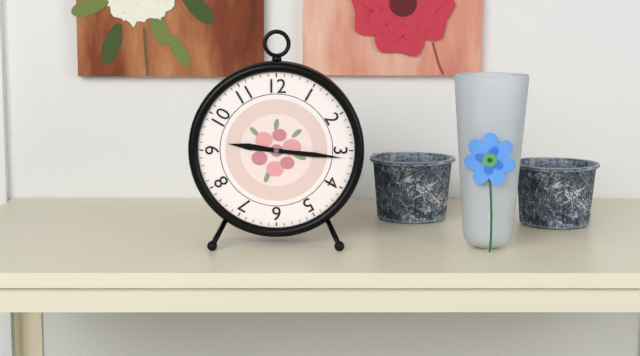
9h16
